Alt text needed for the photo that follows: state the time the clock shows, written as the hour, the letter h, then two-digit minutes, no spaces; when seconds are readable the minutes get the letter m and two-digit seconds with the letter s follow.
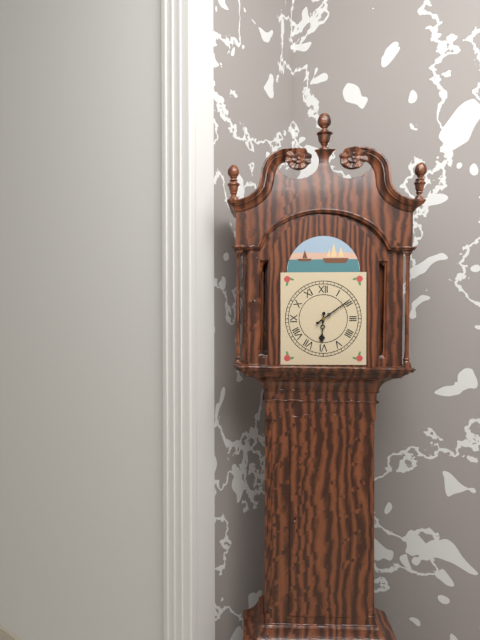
6h09
